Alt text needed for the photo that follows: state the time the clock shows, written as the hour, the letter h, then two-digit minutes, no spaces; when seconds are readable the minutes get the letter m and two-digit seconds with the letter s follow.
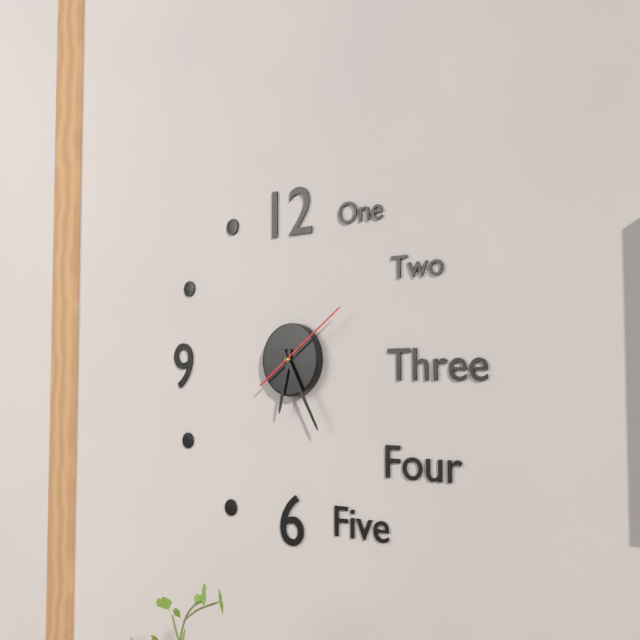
6h25m09s
